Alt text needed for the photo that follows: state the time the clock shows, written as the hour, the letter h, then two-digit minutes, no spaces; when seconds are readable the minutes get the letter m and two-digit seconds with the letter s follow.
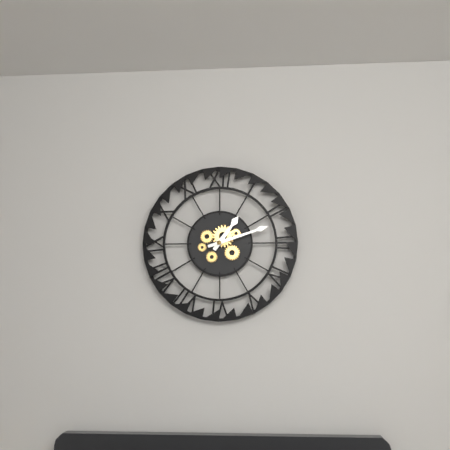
1h12
